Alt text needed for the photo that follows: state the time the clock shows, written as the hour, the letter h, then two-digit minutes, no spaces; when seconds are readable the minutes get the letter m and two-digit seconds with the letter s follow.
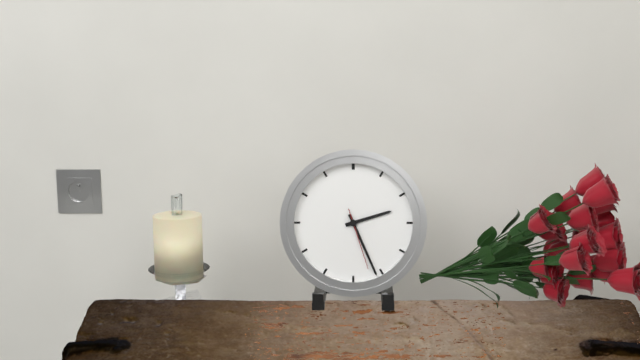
2h26m27s
